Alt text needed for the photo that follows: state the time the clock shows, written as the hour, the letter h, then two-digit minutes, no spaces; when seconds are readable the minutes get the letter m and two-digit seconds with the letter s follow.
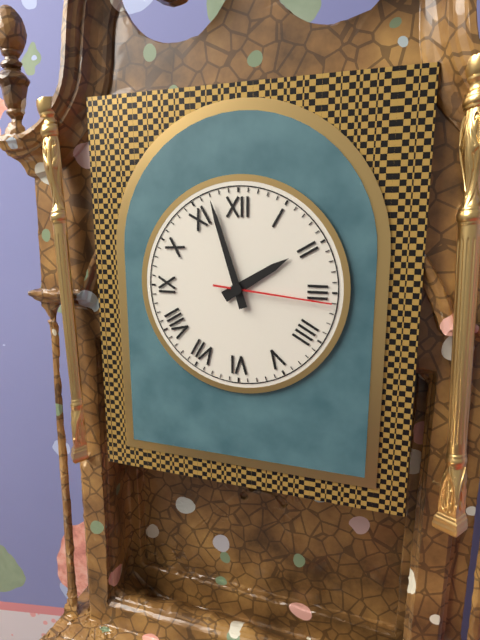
1h57m16s
